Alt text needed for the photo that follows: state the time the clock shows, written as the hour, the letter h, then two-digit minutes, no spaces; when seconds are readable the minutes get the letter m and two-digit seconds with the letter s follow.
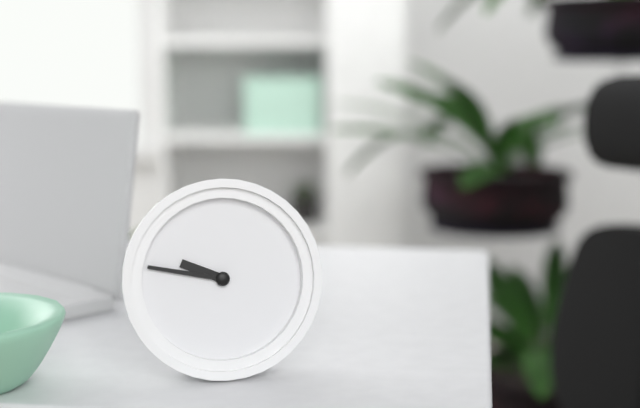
9h47
